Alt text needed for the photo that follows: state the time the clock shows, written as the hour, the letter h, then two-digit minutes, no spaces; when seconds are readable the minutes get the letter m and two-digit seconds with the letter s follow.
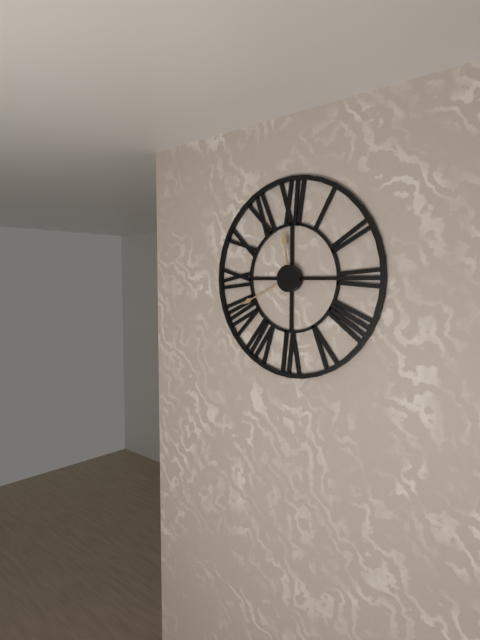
11h41
